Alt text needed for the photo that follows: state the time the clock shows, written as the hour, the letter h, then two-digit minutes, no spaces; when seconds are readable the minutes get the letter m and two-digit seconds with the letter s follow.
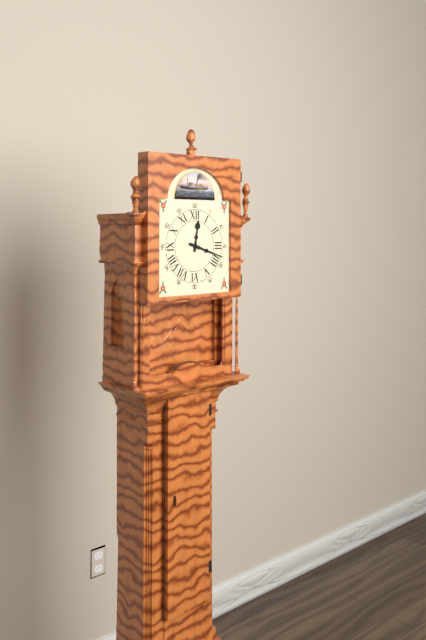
12h18
